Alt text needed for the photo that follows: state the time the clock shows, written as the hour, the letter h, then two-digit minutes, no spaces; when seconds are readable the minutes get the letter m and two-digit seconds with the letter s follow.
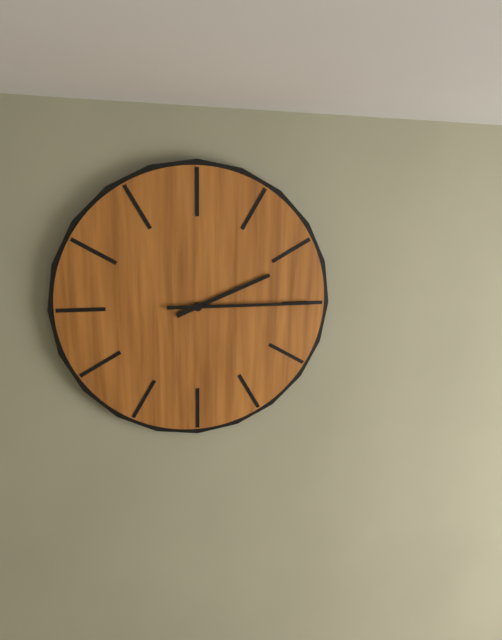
2h15
